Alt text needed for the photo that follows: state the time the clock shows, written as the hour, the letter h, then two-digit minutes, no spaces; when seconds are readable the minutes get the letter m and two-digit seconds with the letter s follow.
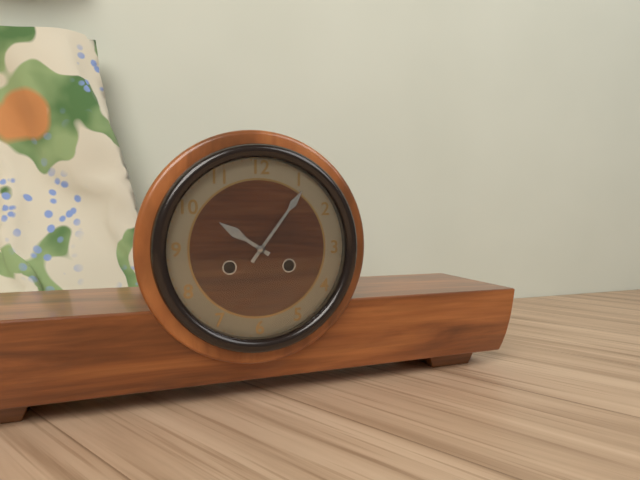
10h06
